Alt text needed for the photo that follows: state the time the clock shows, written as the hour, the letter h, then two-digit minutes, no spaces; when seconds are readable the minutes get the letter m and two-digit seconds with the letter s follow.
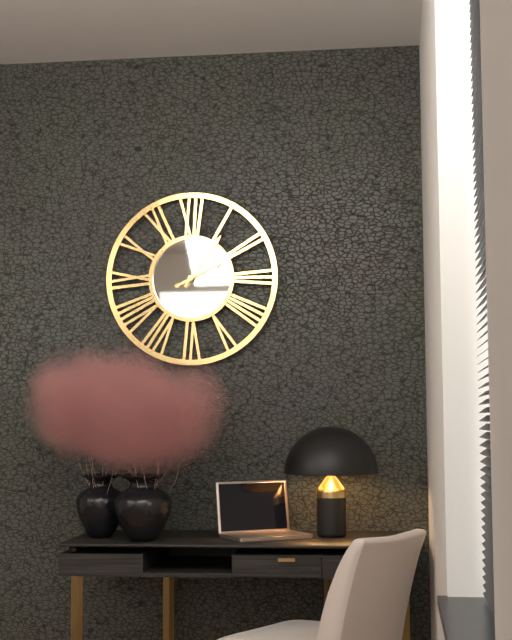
2h06
